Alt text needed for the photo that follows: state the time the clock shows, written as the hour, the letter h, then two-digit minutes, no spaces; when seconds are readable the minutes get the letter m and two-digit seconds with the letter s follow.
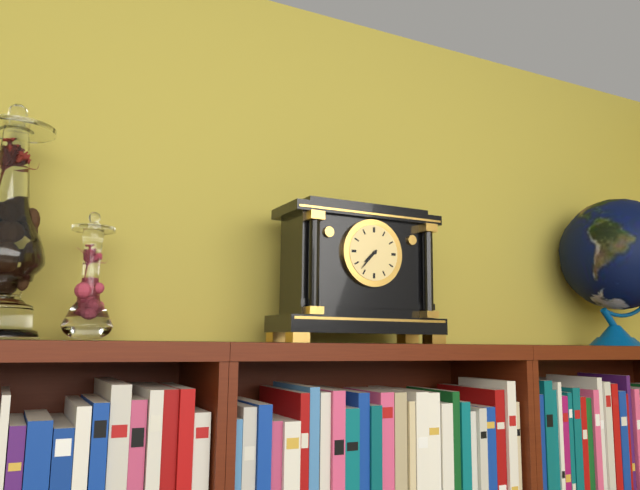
7h37
